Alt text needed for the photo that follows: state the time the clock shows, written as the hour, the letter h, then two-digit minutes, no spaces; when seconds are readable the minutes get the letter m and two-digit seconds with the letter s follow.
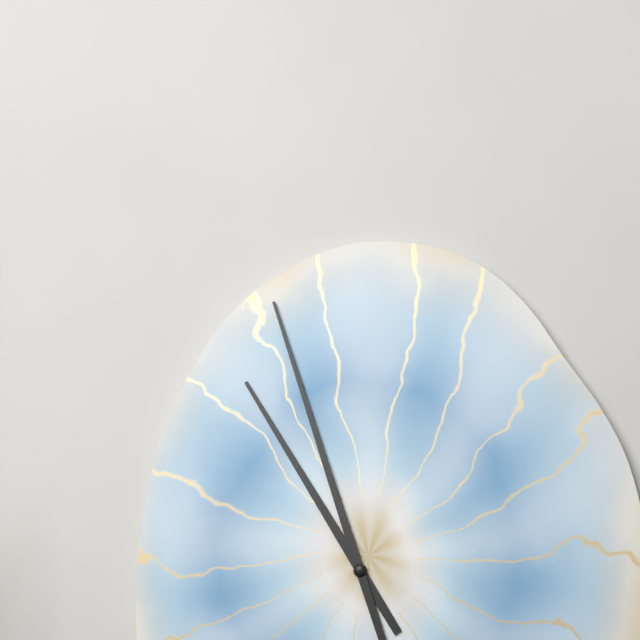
10h57
